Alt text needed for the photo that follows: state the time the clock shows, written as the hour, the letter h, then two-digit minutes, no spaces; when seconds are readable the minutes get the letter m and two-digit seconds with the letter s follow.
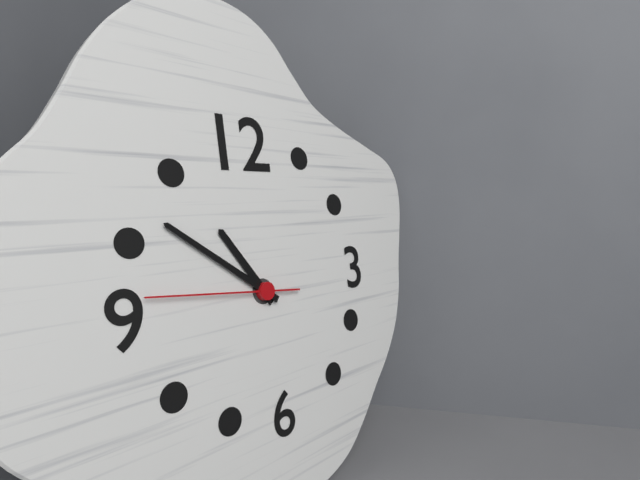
10h51m46s
